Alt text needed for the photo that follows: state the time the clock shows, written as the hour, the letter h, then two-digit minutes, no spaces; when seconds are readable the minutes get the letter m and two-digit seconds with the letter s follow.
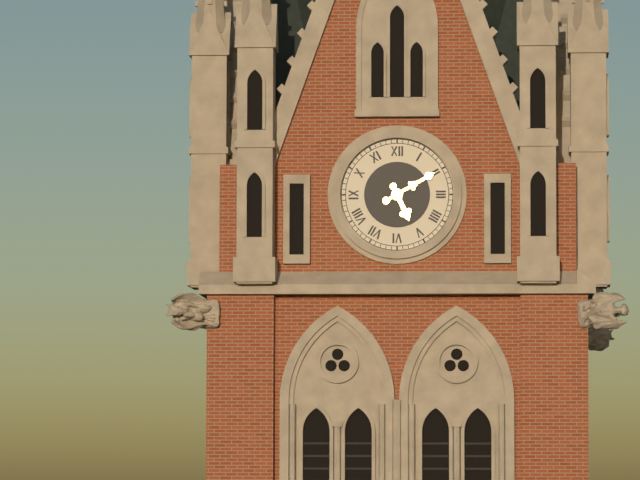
5h10
